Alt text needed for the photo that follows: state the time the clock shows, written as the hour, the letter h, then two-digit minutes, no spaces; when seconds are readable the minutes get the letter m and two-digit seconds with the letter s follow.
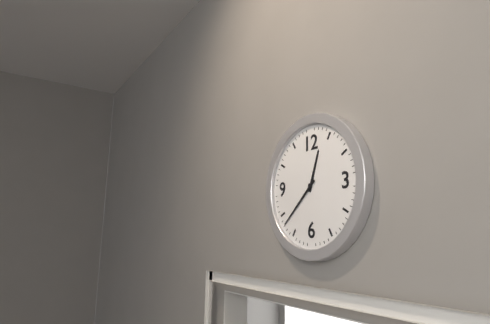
12h38
